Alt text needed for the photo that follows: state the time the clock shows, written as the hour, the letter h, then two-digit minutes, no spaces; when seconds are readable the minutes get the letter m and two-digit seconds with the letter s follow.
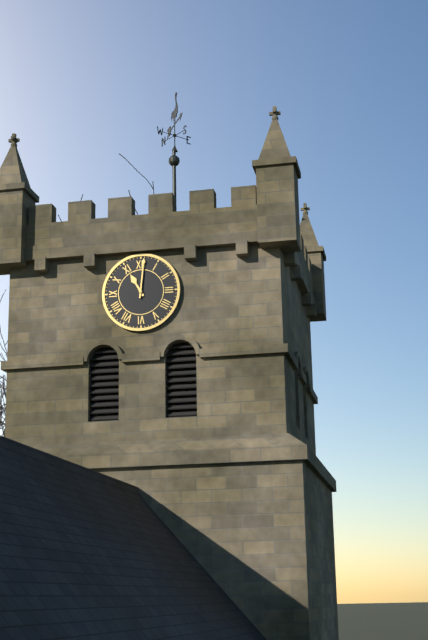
11h01
